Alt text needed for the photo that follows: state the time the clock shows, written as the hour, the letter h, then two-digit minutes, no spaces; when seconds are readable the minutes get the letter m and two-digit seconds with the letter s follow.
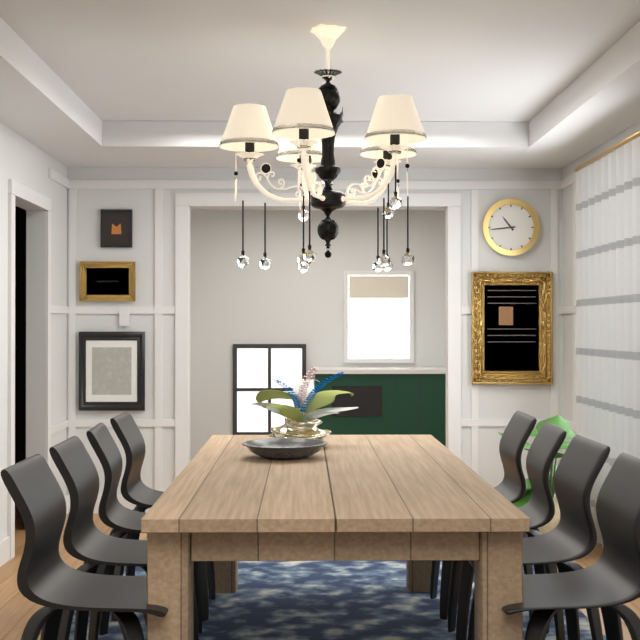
10h44
